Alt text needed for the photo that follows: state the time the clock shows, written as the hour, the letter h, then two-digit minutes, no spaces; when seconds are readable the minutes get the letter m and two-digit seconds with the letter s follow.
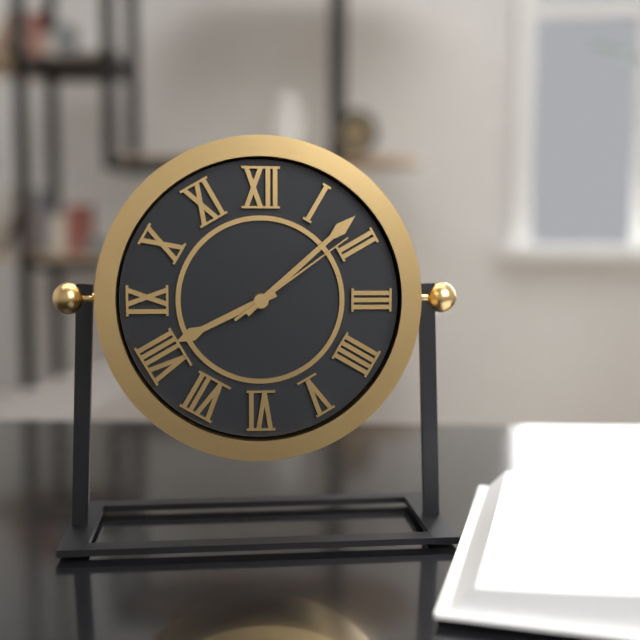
8h08m09s
